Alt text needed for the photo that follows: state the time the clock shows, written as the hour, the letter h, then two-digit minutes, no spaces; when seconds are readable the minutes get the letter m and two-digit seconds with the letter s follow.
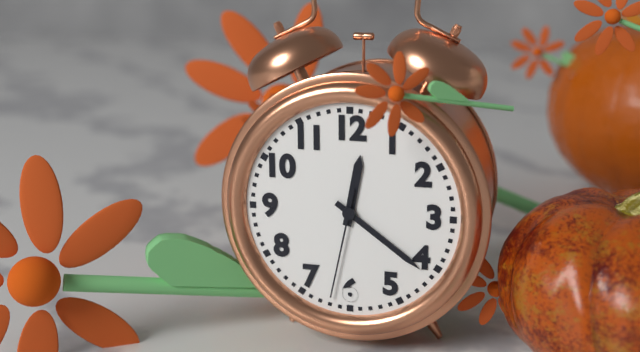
12h21m32s
